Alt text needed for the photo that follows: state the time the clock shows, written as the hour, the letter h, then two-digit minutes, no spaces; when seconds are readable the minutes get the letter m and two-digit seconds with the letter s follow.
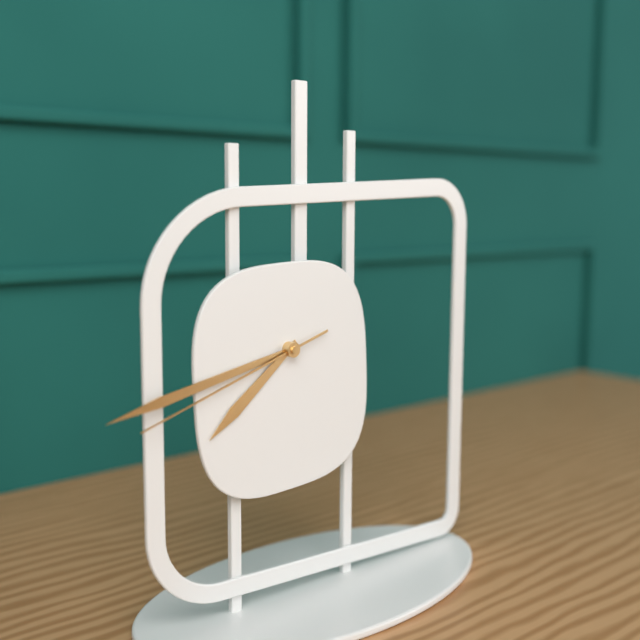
7h43m42s
